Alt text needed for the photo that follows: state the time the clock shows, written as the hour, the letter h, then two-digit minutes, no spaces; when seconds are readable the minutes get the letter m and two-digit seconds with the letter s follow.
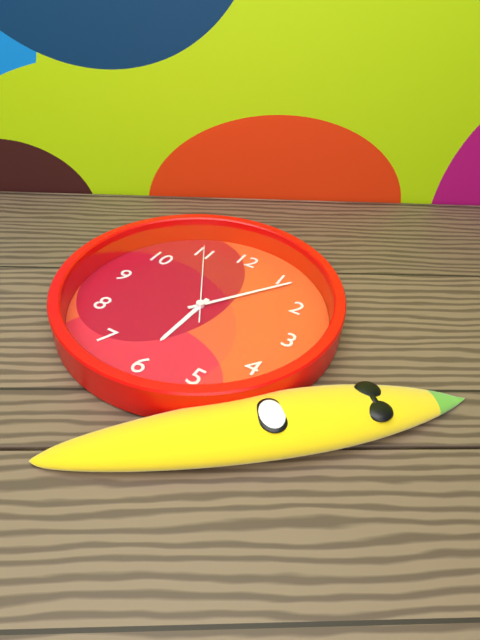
6h06m55s
